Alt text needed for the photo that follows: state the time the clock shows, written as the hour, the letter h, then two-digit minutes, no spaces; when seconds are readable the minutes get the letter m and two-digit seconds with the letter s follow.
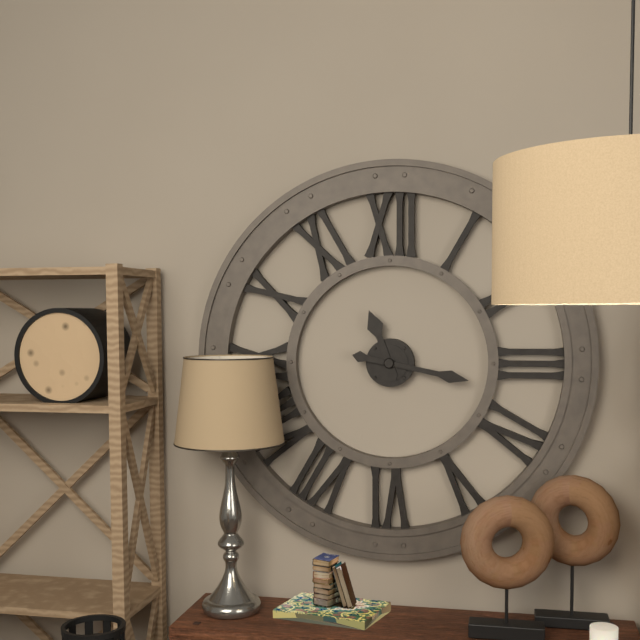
11h17
